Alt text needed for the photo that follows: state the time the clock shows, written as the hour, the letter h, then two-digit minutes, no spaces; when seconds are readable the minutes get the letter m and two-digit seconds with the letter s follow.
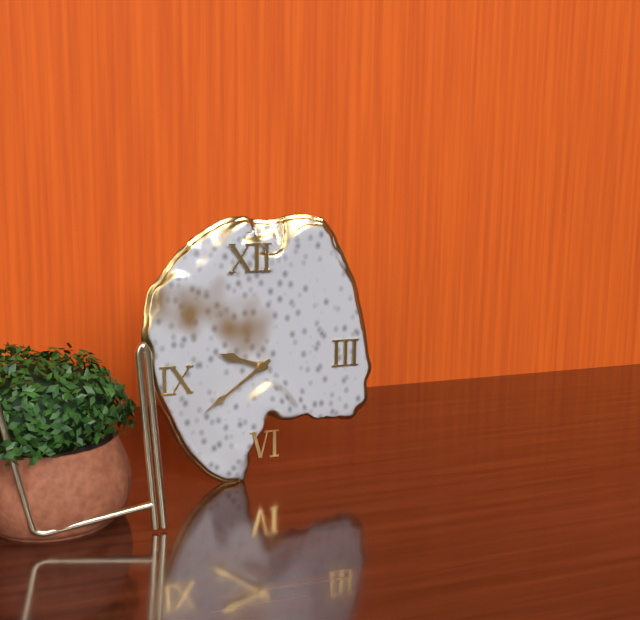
9h39
